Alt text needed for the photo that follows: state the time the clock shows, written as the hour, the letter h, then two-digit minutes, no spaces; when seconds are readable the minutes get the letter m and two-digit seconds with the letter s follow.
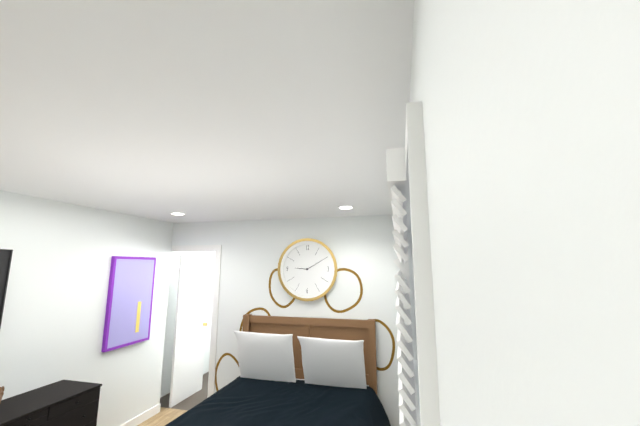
9h10
